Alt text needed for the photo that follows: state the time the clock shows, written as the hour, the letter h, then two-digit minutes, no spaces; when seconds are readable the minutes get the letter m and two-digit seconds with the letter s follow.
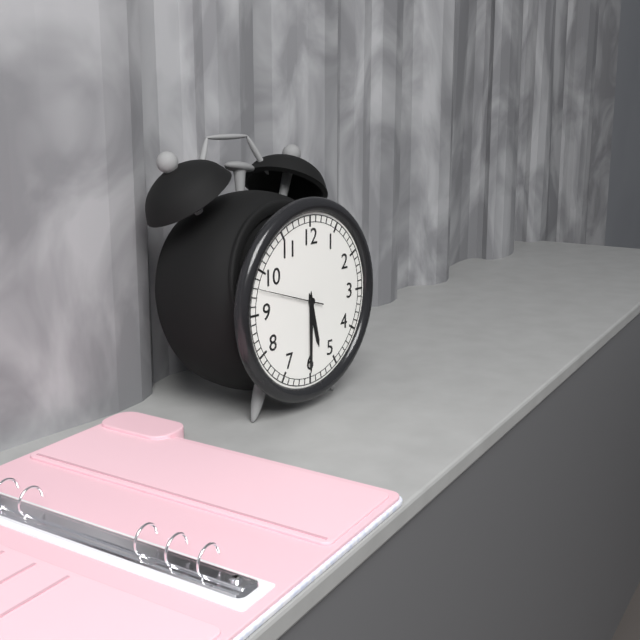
5h30m48s
